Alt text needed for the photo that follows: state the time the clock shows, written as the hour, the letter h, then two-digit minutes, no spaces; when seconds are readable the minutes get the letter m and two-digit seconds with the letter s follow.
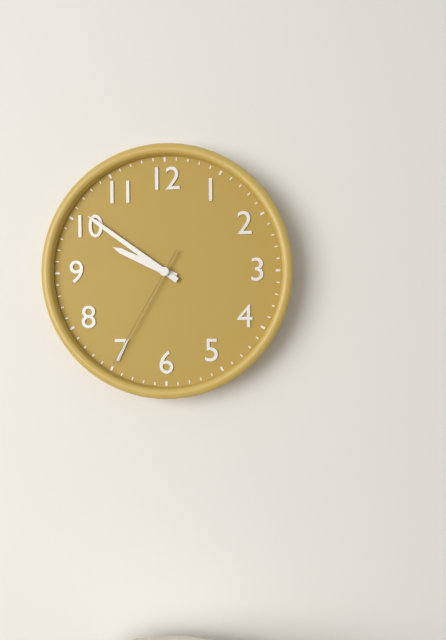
9h51m35s
